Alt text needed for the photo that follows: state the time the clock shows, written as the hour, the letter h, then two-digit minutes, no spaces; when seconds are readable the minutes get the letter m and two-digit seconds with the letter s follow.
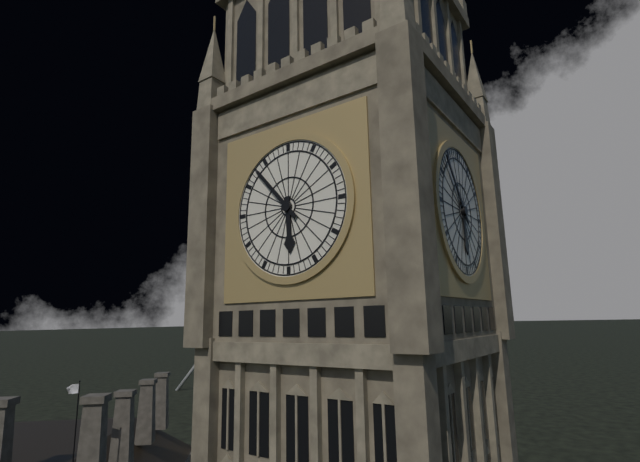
5h53
